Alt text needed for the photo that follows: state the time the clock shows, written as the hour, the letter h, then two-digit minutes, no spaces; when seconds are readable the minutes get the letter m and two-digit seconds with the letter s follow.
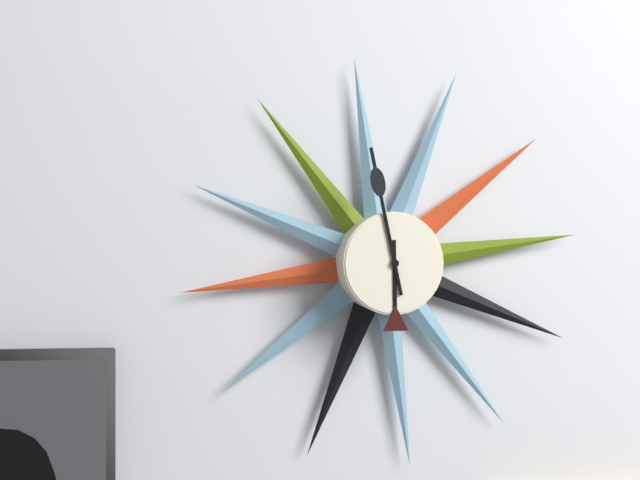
5h58
